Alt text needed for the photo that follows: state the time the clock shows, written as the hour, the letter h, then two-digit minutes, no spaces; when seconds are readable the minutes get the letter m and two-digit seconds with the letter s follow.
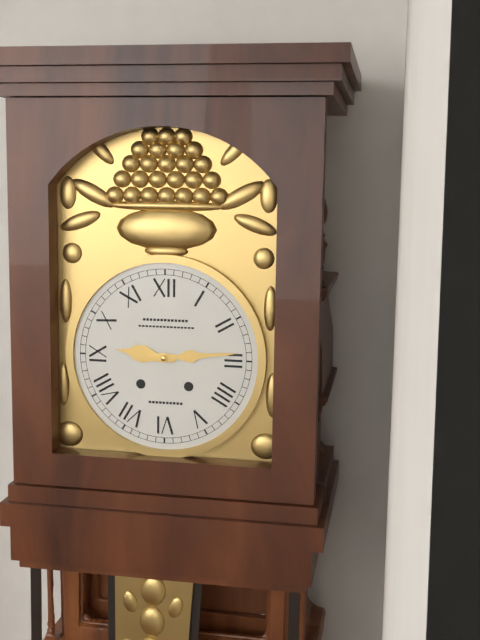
9h14
